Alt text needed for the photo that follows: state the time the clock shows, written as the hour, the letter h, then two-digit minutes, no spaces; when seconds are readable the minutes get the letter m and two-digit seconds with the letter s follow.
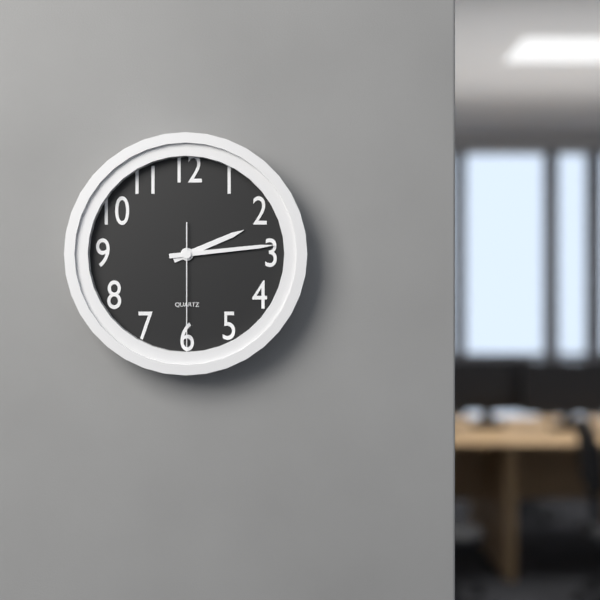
2h14m30s
